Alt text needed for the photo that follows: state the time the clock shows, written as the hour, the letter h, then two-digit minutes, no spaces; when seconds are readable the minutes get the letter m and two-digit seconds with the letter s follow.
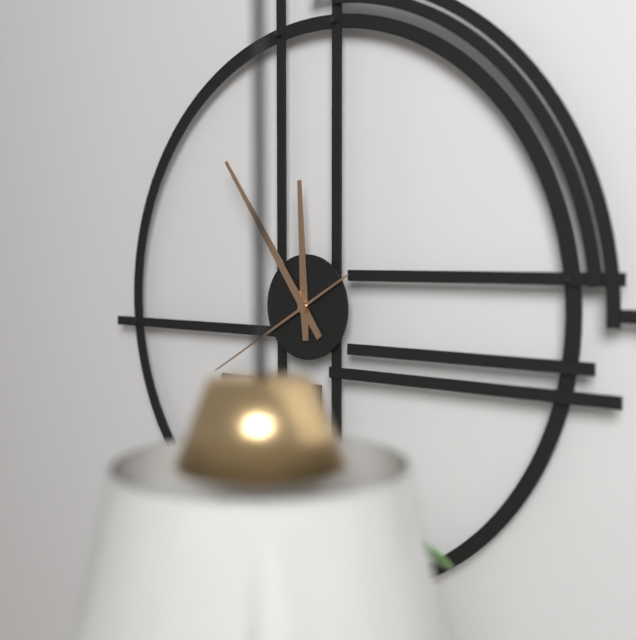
11h54m40s
